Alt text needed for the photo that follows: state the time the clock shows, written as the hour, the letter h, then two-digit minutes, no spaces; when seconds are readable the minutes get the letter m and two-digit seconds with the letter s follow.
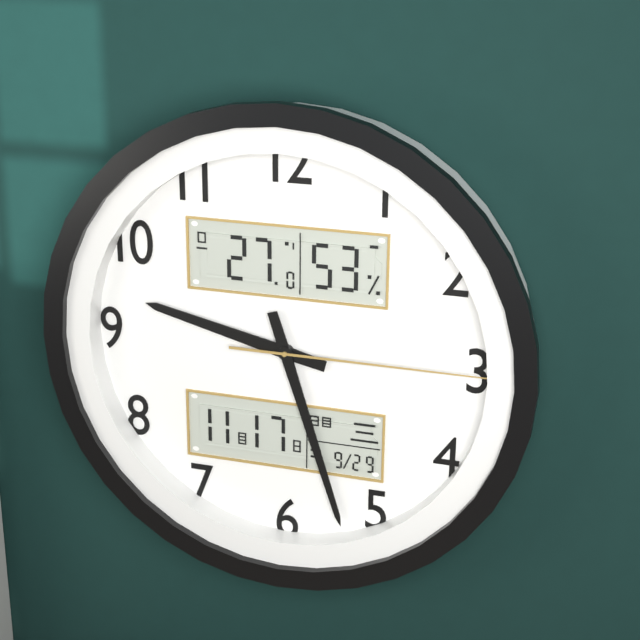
9h27m15s
